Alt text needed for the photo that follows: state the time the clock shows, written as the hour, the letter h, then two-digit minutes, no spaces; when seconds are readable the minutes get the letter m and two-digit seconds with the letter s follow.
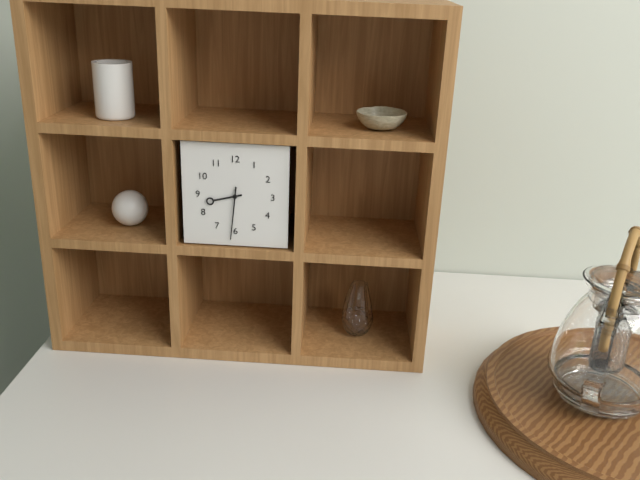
8h31
